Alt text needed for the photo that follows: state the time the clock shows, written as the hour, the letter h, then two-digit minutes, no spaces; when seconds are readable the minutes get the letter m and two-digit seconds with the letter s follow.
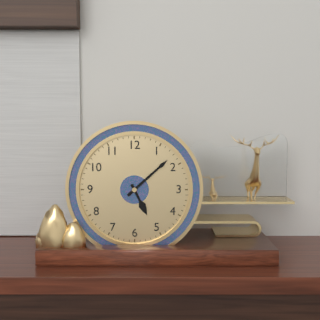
5h08
